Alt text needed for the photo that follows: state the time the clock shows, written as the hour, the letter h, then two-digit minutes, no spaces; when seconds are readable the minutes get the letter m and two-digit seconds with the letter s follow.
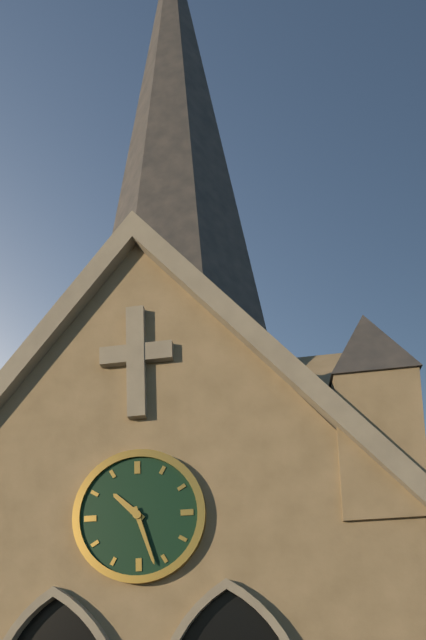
10h27
